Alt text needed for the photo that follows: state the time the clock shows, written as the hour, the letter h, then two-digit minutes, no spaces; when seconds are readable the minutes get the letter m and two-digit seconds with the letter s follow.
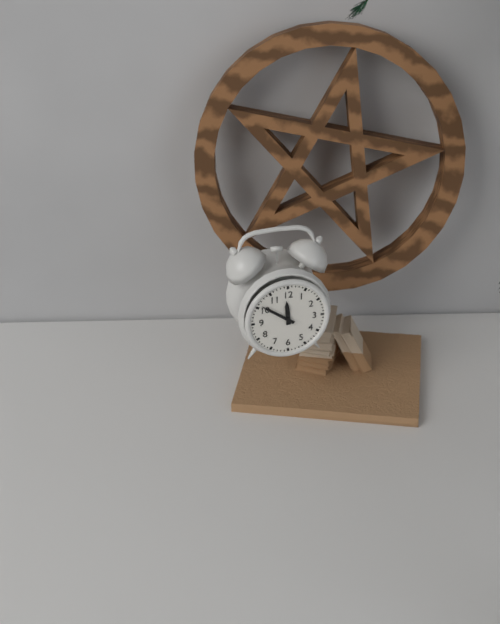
11h51
